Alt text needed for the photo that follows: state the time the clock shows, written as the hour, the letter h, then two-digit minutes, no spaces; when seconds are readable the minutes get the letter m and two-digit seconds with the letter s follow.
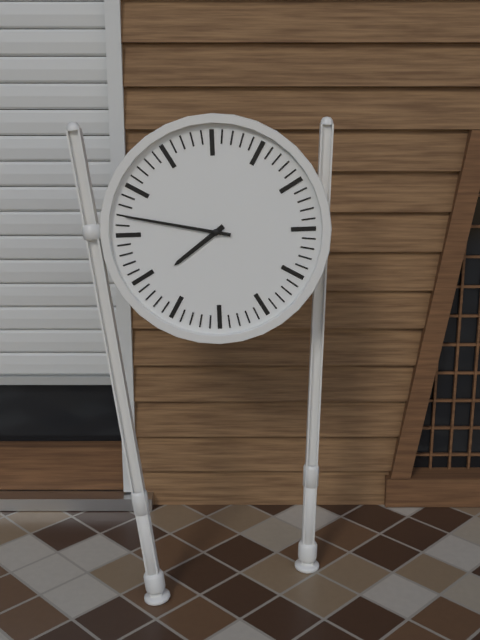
7h47
